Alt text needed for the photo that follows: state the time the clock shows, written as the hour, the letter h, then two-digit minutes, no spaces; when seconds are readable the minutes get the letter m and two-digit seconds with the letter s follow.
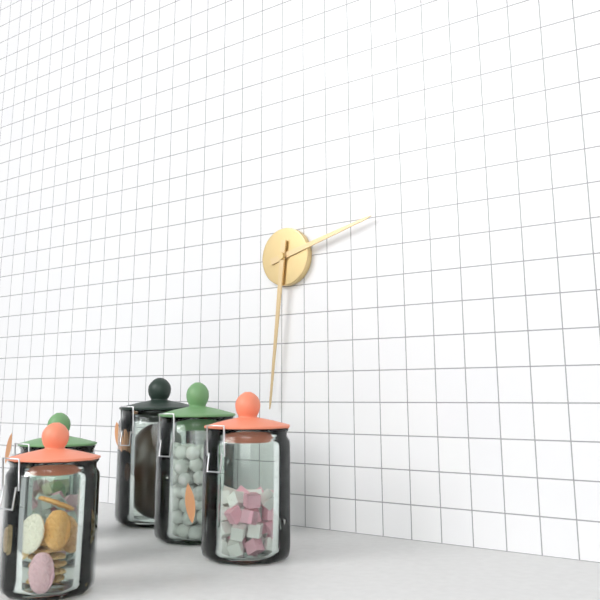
2h31
